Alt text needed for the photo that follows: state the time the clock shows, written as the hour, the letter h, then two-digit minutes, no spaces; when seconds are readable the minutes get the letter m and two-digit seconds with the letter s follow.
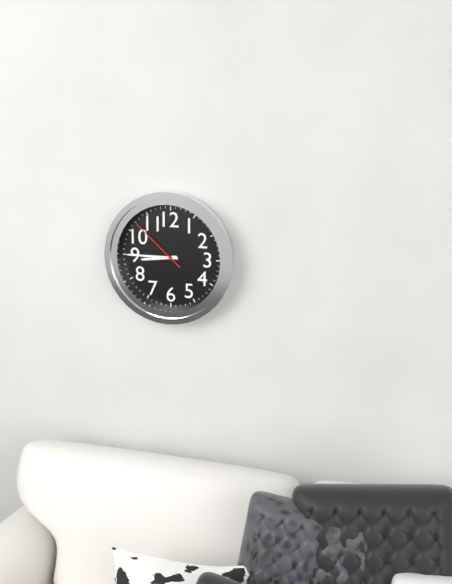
8h45m52s
